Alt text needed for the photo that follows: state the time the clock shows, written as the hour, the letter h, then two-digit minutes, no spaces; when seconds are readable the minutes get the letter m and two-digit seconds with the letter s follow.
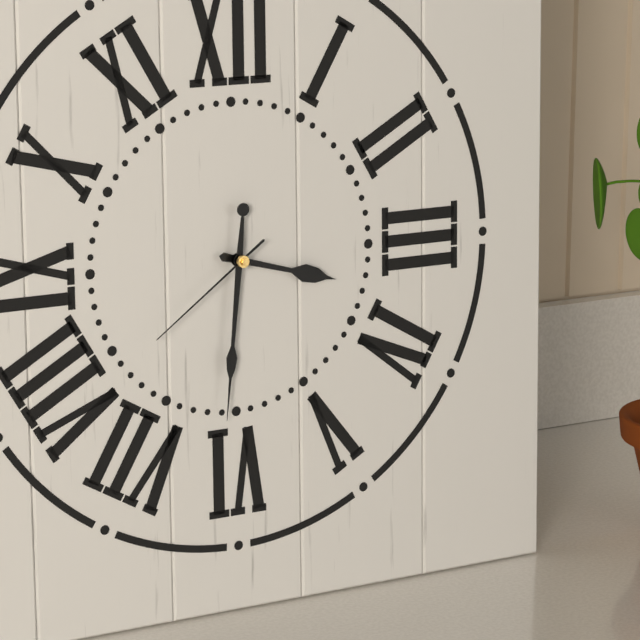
3h31m39s
